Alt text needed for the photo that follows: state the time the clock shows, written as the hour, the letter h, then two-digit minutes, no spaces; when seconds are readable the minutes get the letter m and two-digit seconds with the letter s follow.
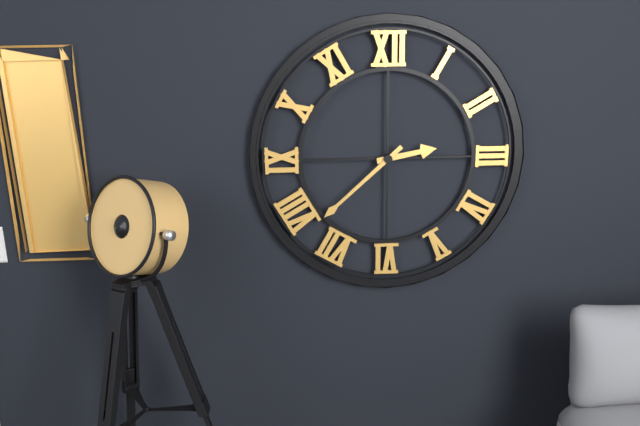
2h38
